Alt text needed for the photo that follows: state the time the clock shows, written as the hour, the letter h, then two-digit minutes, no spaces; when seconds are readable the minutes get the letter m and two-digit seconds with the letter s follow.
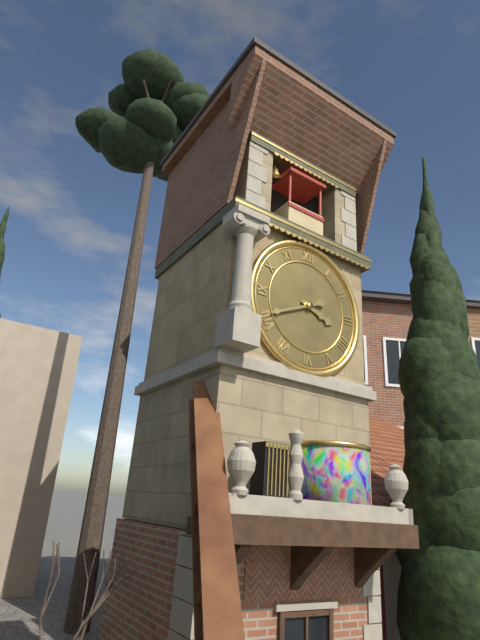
3h41
